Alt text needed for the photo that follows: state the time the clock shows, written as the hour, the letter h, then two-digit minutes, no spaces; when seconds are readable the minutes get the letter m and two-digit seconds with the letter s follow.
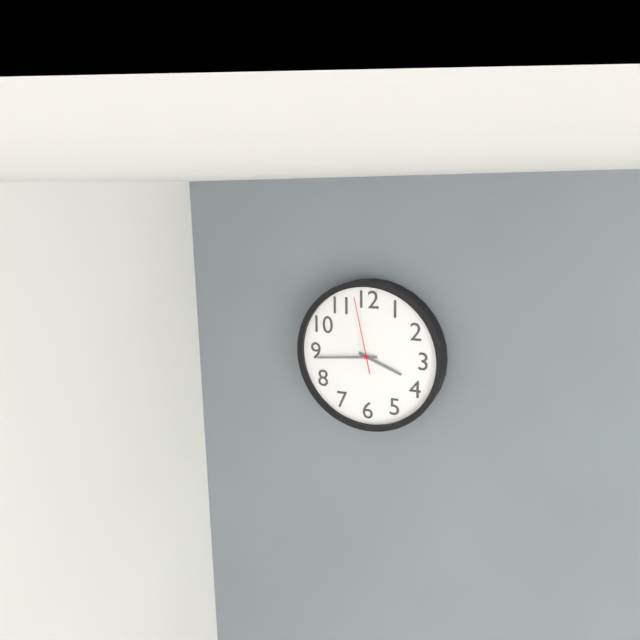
3h44m58s
